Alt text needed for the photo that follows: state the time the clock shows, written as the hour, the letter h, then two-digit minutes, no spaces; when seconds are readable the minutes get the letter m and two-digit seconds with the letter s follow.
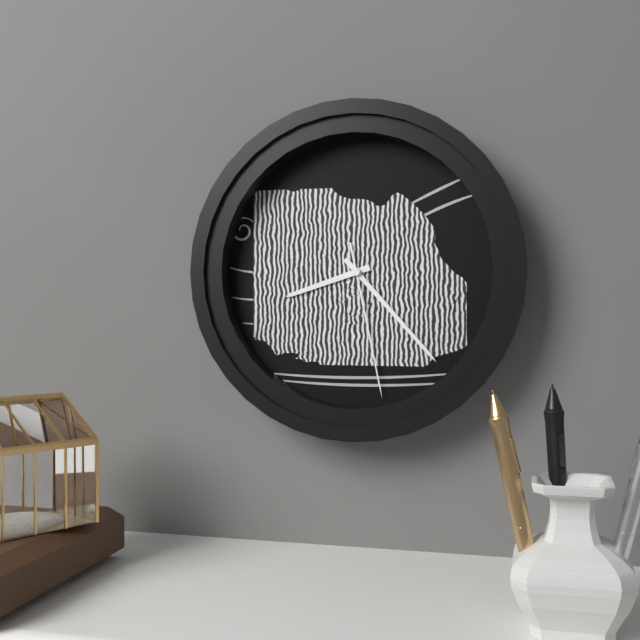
8h23m28s
